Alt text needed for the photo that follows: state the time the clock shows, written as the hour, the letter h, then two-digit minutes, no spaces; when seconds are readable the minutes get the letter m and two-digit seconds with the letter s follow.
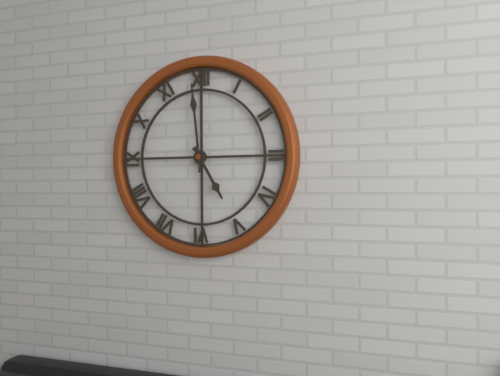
4h59
